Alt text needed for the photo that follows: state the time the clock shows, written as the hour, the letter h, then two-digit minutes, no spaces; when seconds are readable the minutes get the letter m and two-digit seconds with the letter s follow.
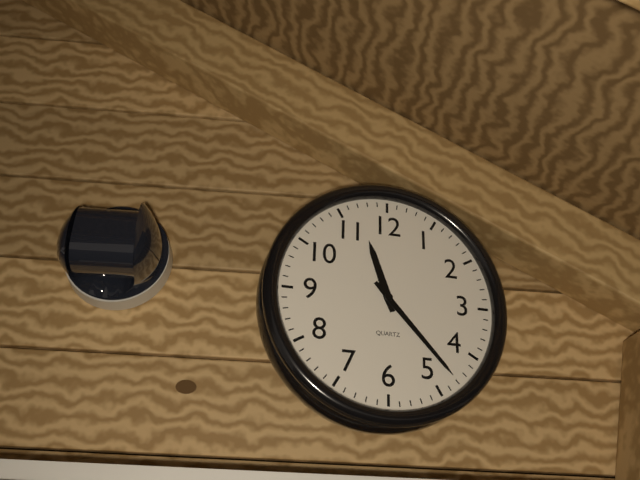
11h23
